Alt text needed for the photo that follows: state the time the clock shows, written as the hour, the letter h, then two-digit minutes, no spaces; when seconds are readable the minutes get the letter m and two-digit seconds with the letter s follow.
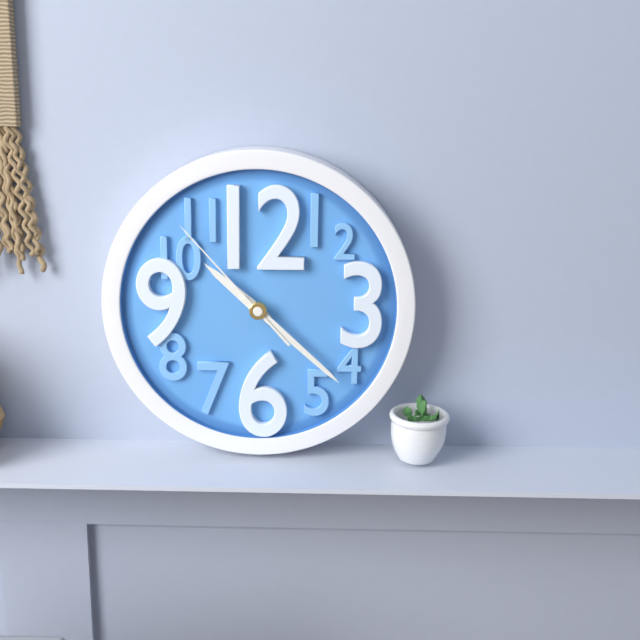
10h22m53s
